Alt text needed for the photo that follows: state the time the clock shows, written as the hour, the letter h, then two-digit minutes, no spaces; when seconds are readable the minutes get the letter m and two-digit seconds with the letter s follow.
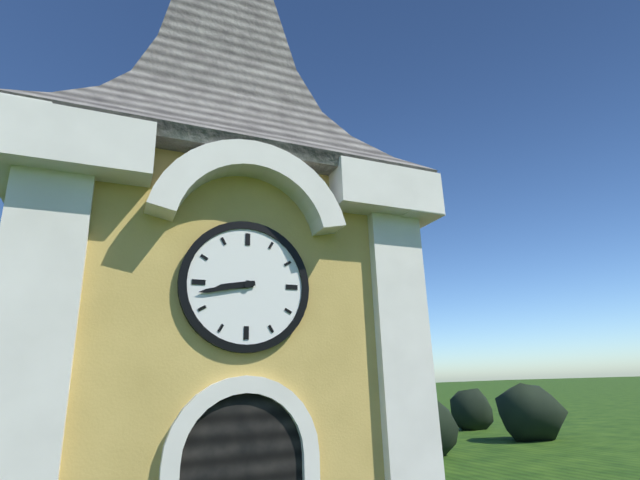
8h43
